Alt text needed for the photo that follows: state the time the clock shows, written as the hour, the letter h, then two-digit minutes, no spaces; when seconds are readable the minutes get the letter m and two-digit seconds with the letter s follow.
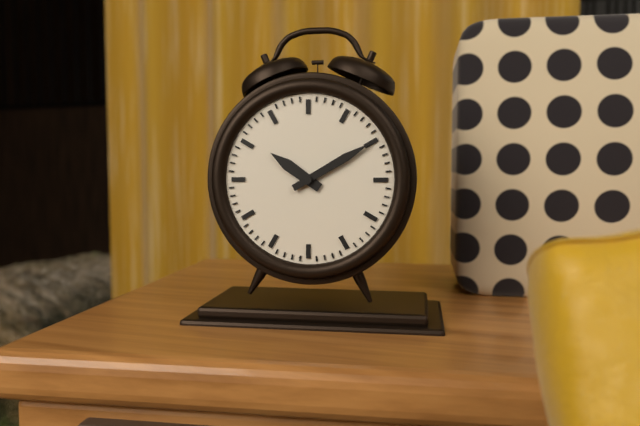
10h10
